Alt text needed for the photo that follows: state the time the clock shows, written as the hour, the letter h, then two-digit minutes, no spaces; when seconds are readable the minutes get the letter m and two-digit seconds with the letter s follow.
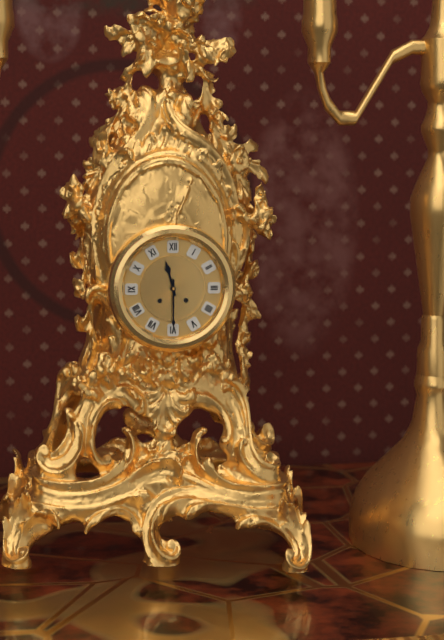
11h30
